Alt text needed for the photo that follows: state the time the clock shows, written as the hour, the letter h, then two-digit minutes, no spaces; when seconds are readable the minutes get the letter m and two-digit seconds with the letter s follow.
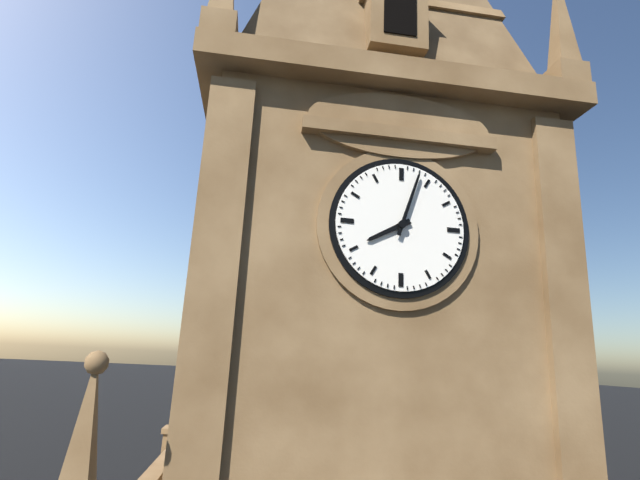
8h03
